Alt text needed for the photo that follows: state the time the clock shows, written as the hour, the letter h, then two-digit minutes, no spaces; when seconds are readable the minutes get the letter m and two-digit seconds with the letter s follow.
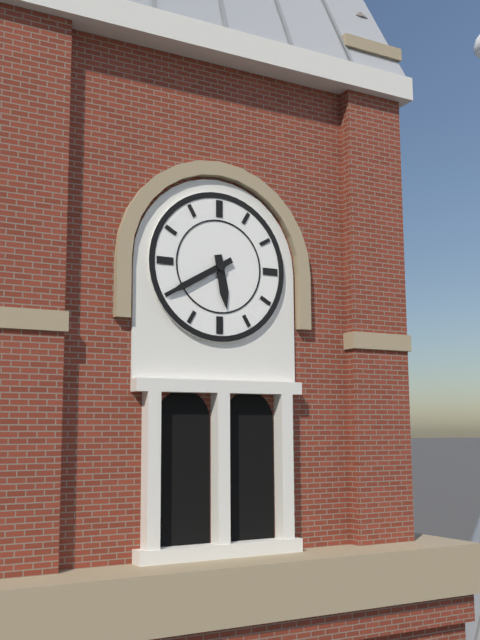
5h40
